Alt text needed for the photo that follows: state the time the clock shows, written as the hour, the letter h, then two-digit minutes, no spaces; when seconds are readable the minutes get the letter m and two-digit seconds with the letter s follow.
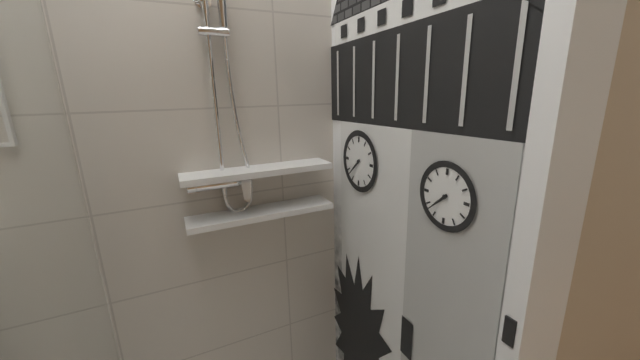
7h38
